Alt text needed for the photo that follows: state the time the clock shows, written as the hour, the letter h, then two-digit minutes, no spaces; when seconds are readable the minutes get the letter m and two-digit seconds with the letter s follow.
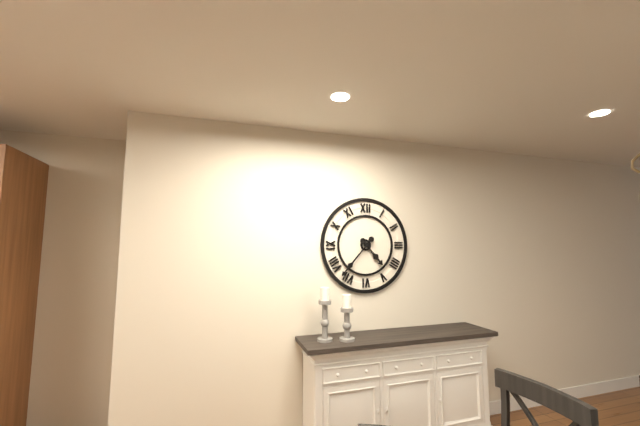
4h37
